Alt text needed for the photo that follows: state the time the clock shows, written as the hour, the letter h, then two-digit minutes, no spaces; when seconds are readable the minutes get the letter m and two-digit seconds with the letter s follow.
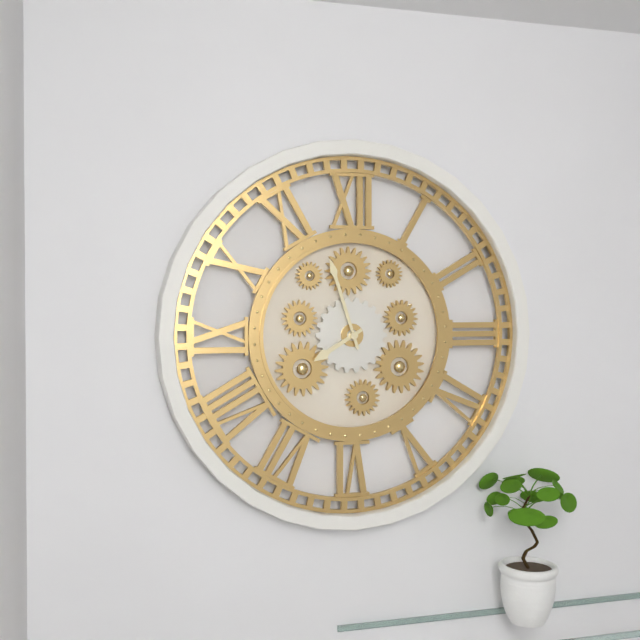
7h57
